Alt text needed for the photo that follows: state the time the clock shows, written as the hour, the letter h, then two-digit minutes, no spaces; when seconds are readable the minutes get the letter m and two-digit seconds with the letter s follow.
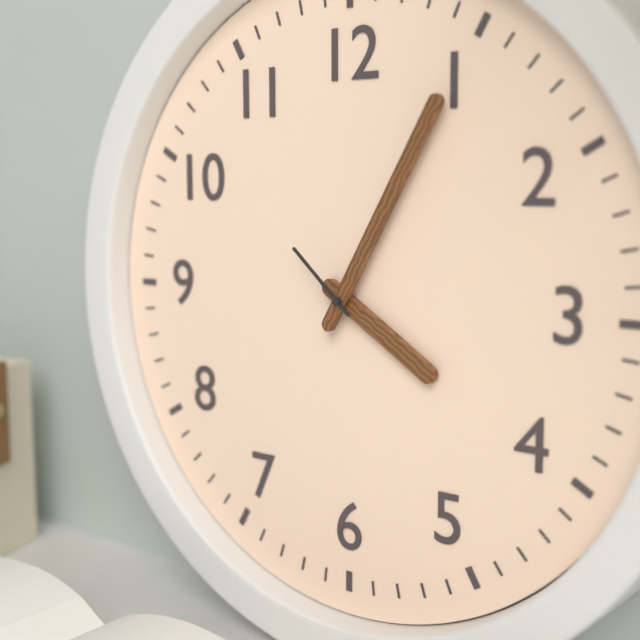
4h05m52s
